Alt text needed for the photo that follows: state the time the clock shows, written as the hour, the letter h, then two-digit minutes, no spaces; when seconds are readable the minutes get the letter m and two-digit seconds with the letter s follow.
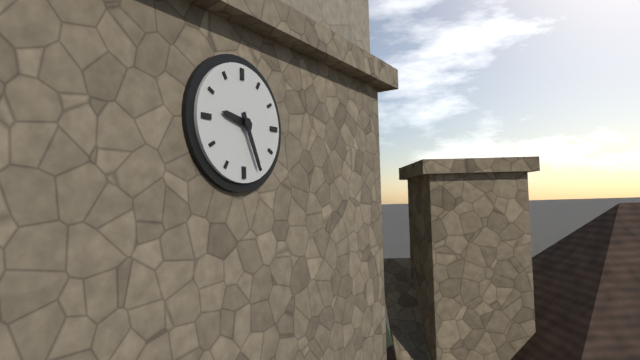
9h26
